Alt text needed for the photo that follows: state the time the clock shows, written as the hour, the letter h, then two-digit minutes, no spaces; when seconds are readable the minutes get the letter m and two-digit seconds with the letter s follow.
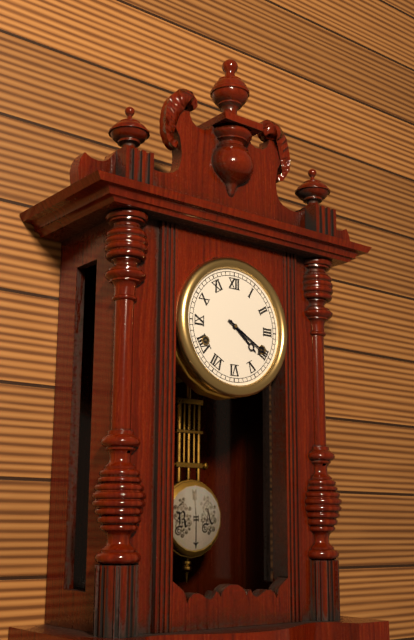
4h20
